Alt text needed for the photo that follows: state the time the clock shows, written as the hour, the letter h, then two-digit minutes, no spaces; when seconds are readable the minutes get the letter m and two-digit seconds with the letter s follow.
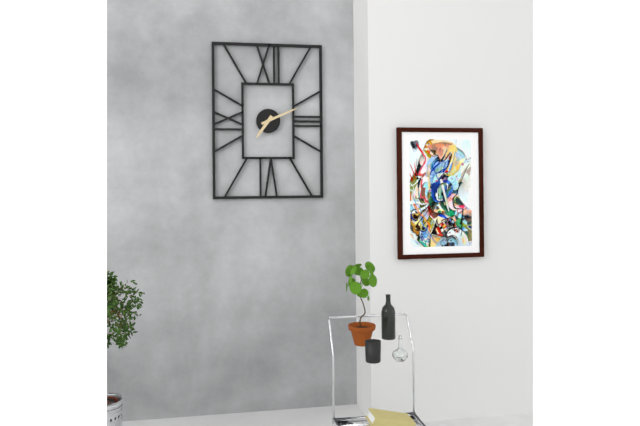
7h11
